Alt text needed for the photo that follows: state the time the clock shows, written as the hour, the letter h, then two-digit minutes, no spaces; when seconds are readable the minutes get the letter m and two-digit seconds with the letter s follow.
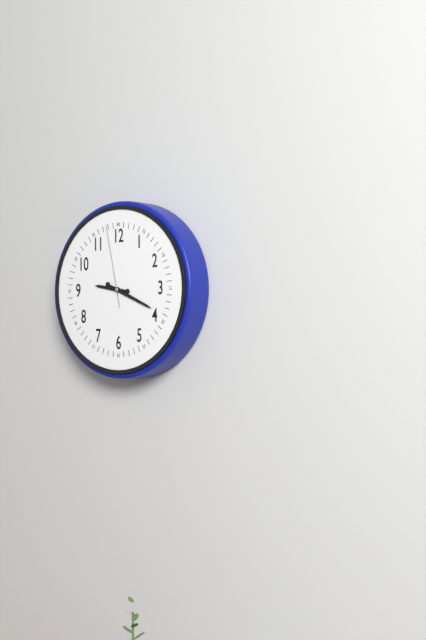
9h19m58s
